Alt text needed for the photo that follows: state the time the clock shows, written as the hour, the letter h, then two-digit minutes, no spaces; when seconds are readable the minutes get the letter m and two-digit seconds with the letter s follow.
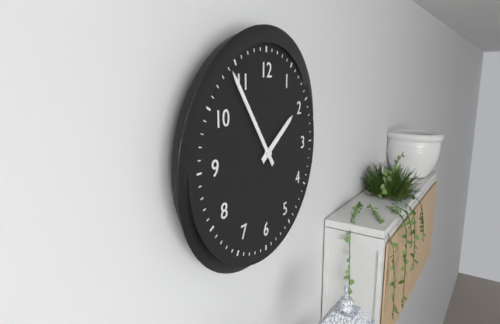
1h54
